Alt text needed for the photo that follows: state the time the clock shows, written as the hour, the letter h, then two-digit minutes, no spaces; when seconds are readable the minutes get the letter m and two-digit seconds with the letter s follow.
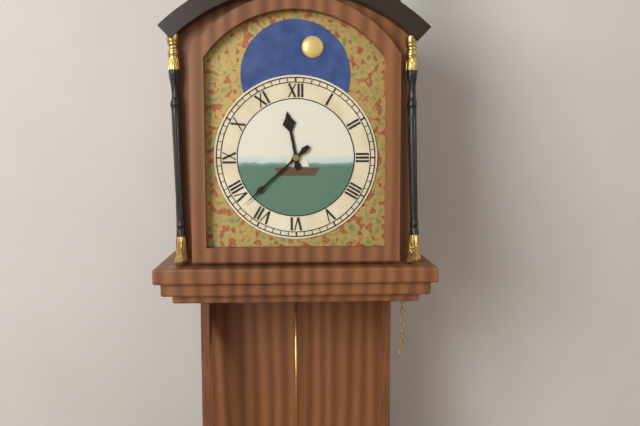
11h38
